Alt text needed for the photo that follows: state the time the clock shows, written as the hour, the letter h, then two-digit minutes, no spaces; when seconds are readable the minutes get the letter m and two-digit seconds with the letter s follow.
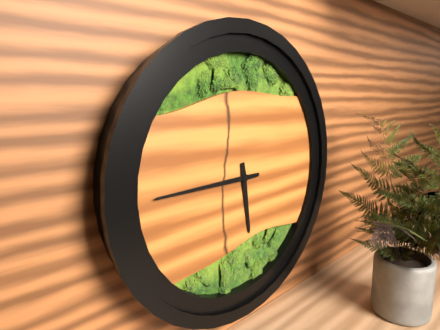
5h45
